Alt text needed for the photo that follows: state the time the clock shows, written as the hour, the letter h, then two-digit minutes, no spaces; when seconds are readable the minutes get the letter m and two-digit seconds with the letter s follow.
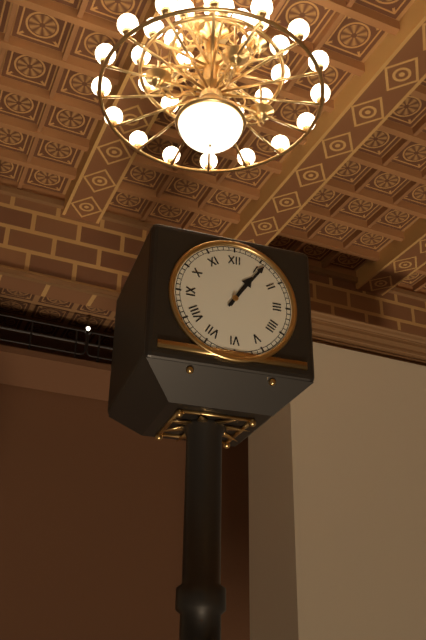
1h06
